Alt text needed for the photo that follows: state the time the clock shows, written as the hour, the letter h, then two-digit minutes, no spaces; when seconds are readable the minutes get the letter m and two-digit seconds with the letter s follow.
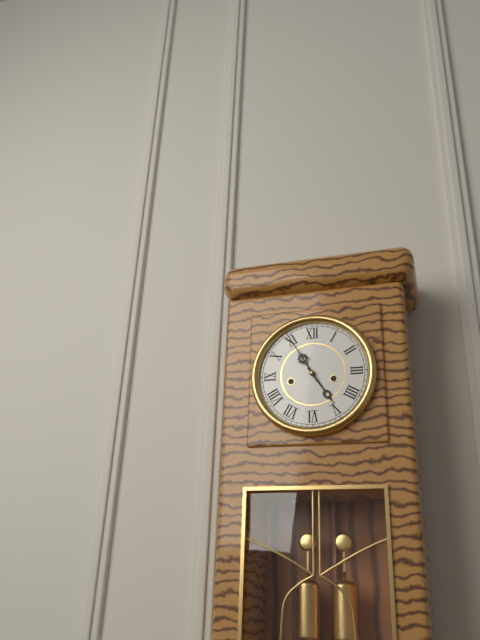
4h55
